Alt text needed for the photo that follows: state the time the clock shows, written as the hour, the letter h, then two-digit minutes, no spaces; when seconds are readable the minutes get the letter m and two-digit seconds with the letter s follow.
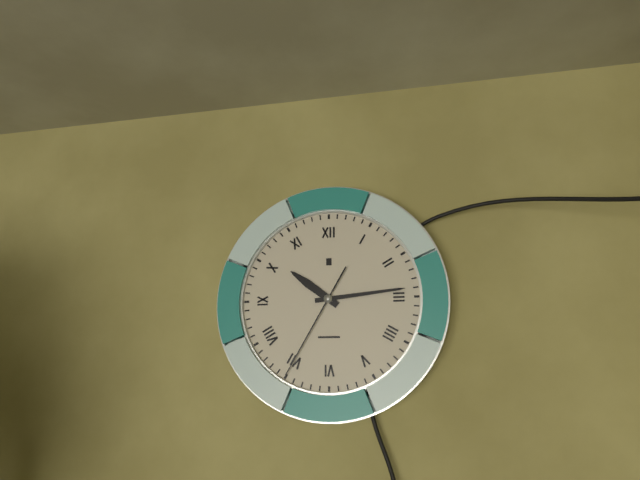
10h14m35s
